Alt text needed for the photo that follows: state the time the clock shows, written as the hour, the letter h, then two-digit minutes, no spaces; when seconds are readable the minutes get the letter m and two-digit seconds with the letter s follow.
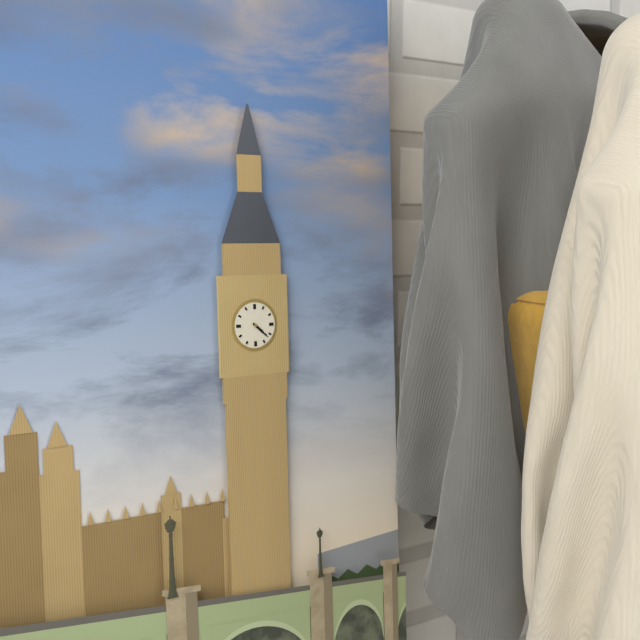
4h22
